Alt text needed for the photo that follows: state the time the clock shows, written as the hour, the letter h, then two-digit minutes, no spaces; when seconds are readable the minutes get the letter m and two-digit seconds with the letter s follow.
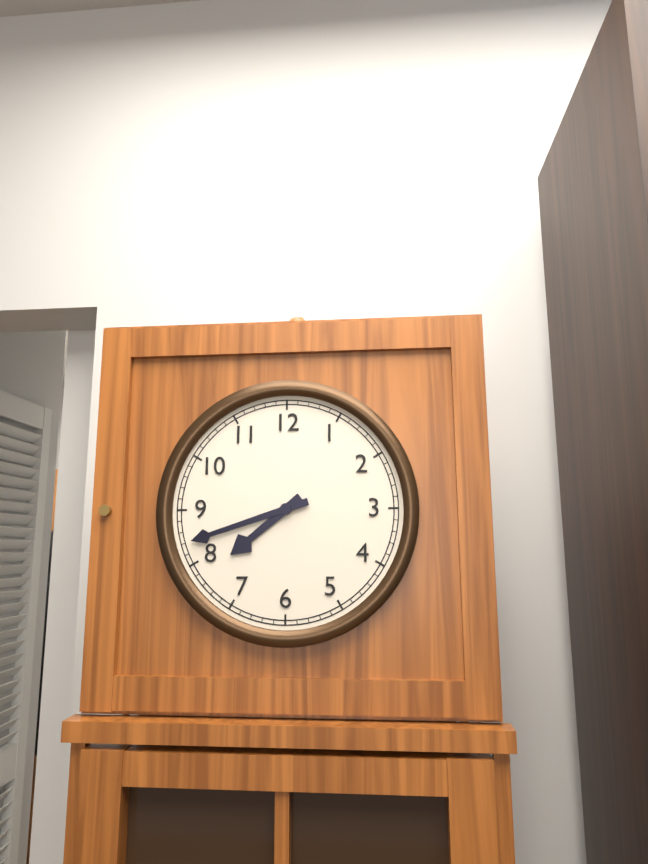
7h42
